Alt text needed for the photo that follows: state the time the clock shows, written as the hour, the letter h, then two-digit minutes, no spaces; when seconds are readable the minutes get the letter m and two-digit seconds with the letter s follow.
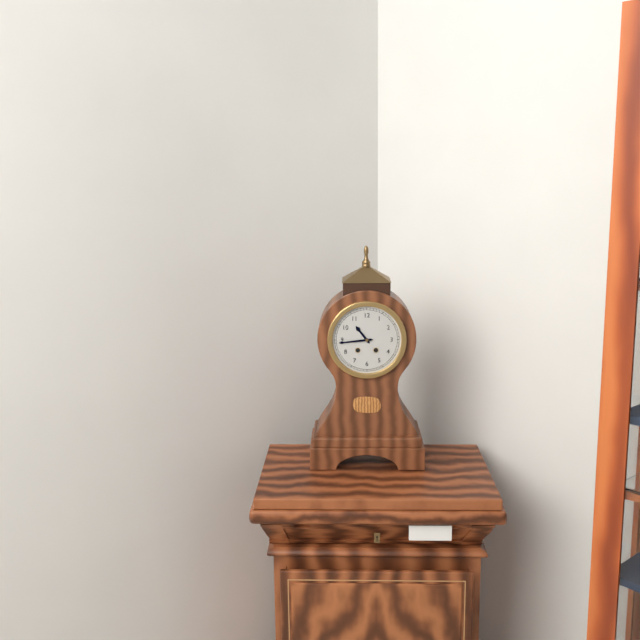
10h44
